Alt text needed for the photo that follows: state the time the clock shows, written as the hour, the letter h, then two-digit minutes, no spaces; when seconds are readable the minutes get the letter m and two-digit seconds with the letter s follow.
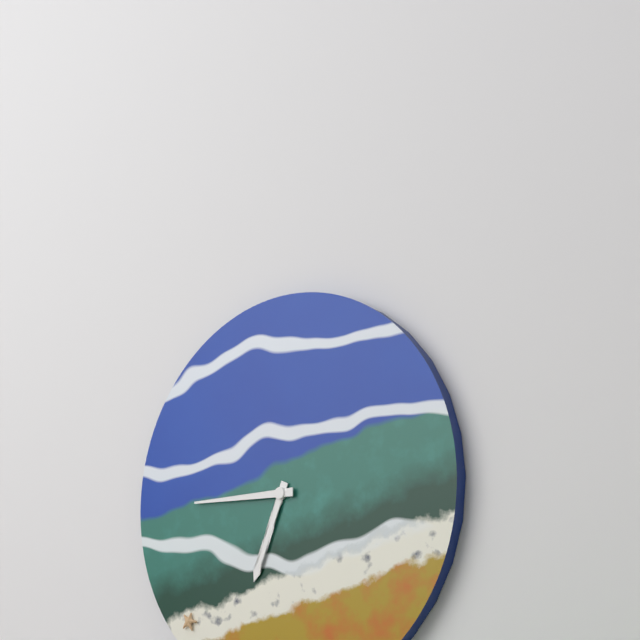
6h45
